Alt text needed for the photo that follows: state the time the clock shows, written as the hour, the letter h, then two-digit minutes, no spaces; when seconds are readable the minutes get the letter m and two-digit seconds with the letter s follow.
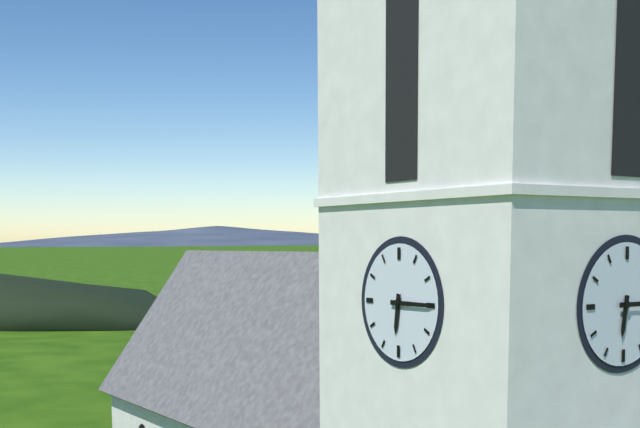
6h15
